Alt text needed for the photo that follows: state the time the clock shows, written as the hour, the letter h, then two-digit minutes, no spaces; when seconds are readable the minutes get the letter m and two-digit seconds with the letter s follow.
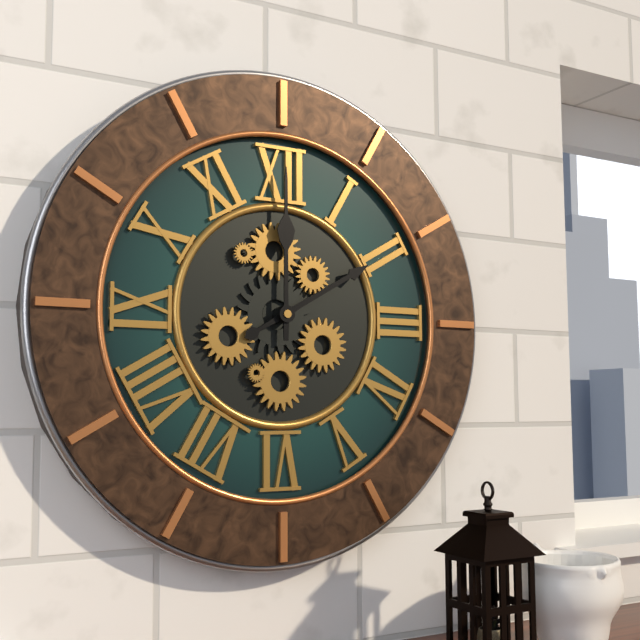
2h00
